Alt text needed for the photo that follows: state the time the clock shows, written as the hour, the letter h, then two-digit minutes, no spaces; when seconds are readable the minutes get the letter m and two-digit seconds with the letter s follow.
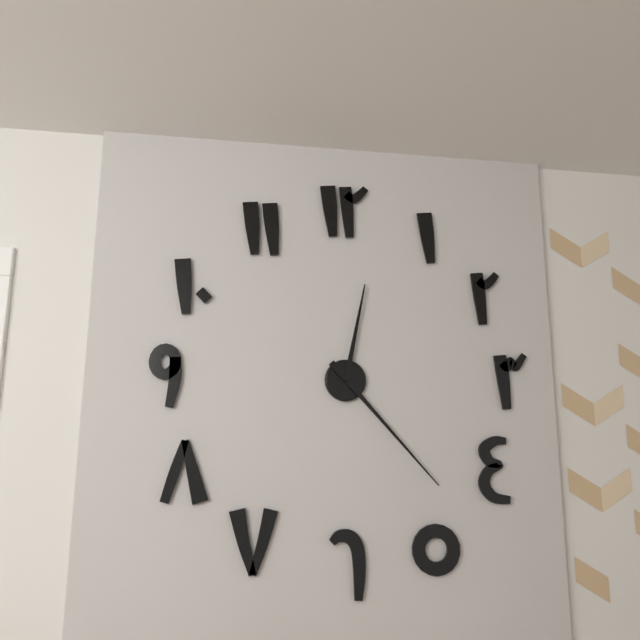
12h23
